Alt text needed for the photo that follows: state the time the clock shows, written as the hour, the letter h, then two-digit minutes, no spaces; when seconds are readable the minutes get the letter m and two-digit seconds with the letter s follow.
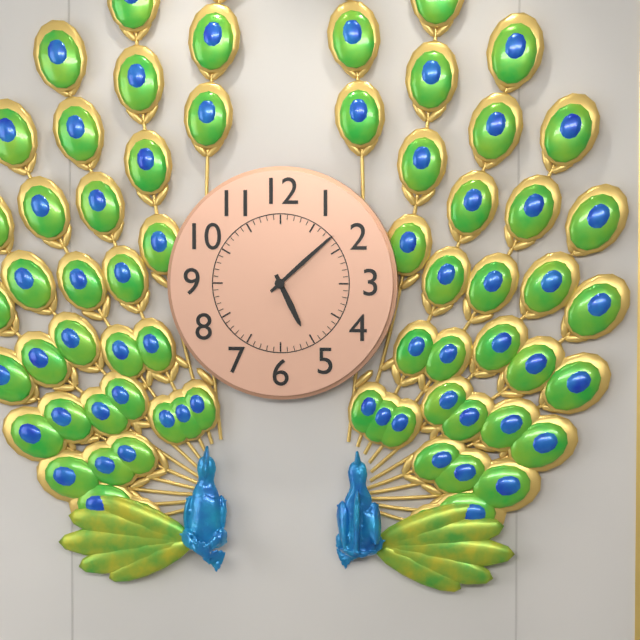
5h08
